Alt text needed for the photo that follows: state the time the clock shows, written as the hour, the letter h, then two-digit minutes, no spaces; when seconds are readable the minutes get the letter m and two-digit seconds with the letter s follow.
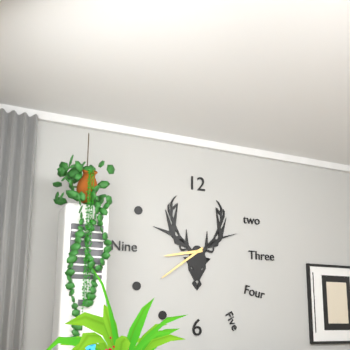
8h39
